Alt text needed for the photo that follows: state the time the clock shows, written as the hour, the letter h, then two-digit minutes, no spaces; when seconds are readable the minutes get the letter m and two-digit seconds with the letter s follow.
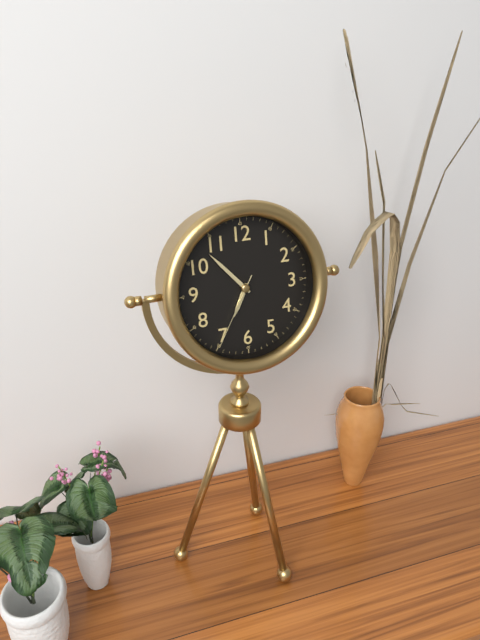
6h53m35s
